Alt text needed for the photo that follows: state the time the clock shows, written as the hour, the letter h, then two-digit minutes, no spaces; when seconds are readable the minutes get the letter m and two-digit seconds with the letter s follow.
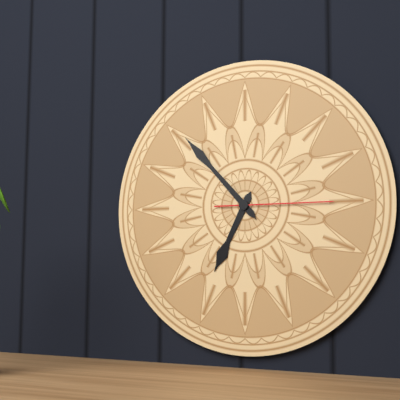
6h53m15s
